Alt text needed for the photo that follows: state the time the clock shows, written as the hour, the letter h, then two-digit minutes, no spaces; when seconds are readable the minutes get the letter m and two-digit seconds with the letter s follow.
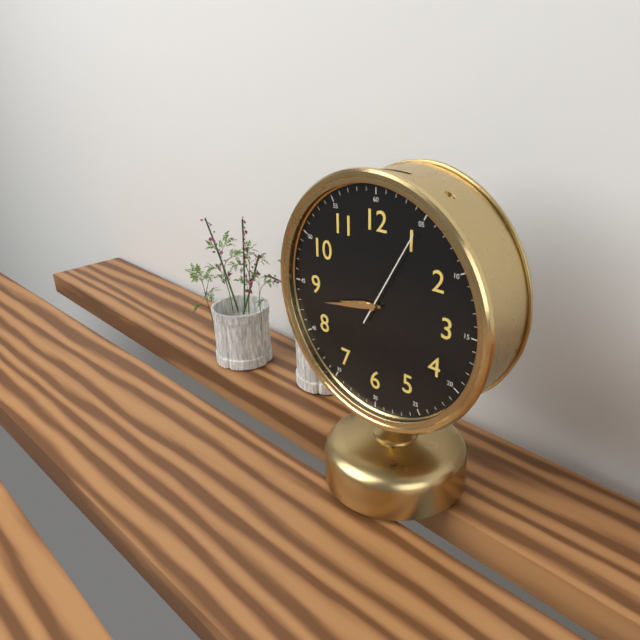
8h43m05s
